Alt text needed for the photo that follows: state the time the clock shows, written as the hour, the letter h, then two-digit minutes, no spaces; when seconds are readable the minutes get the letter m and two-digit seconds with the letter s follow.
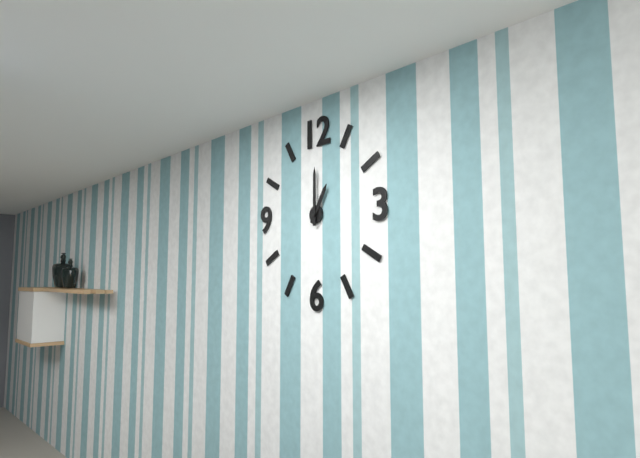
1h00
